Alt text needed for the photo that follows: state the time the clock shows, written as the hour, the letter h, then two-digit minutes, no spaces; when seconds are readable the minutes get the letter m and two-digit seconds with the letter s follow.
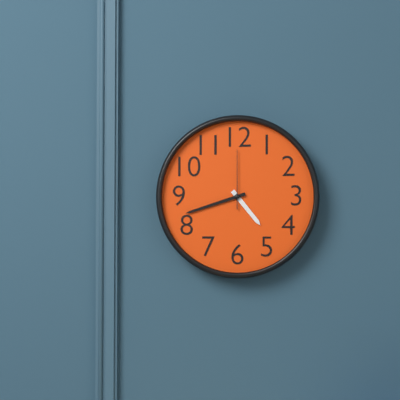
4h42m00s
